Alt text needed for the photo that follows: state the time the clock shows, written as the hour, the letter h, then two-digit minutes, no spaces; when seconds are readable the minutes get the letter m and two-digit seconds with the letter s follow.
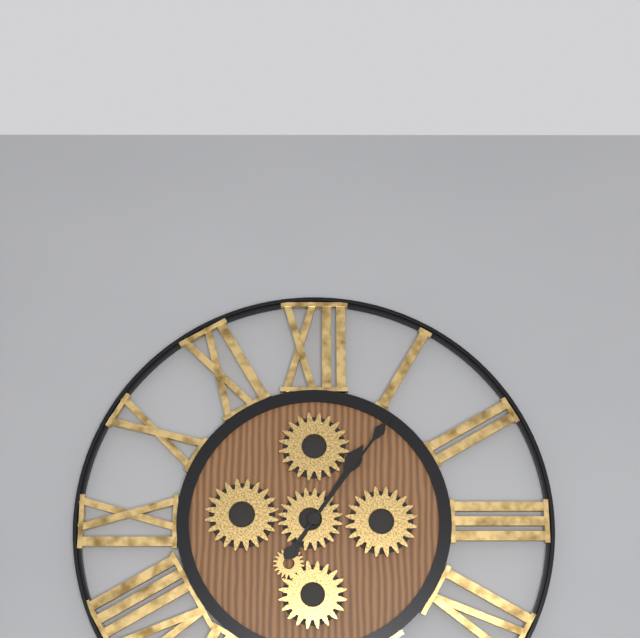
1h06
